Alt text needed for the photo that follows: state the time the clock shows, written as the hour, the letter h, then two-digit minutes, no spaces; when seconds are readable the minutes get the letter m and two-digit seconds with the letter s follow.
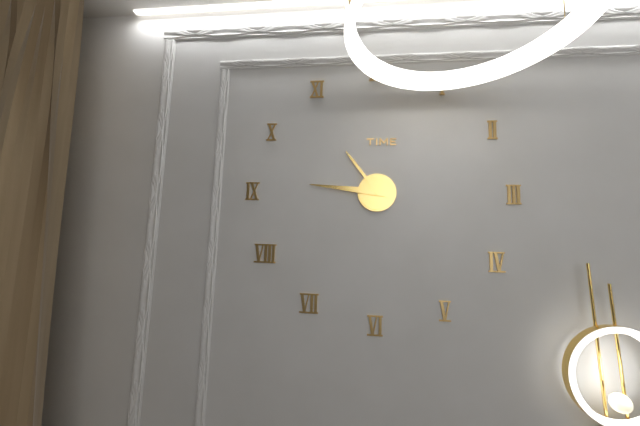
10h46
